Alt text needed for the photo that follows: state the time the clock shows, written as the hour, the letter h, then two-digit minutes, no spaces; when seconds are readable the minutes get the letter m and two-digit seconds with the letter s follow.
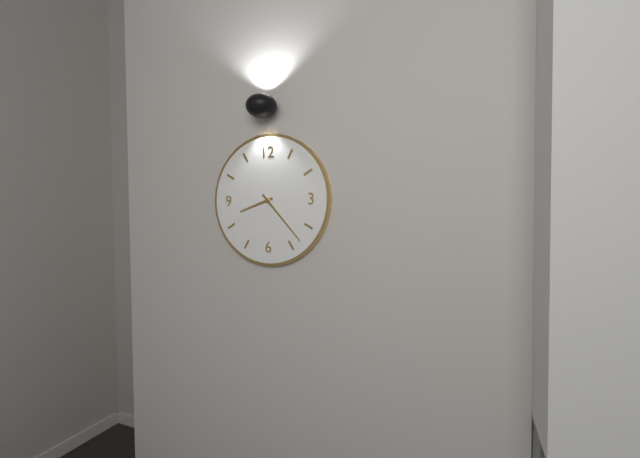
8h23
